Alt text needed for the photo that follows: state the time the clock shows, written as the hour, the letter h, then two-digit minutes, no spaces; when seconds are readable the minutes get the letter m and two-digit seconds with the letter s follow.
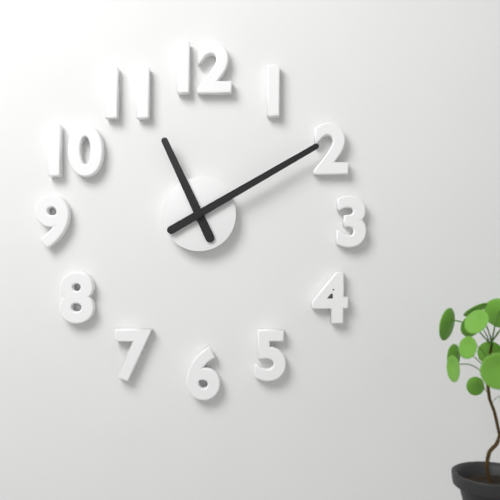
11h10
